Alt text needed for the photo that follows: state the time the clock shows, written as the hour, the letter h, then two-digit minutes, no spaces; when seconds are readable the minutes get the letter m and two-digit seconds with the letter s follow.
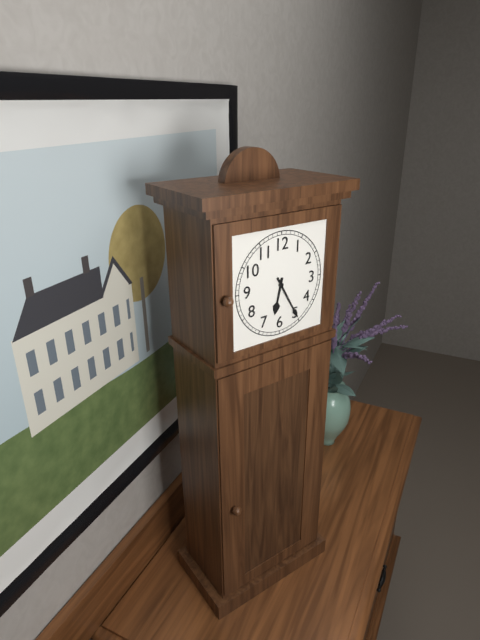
6h25
